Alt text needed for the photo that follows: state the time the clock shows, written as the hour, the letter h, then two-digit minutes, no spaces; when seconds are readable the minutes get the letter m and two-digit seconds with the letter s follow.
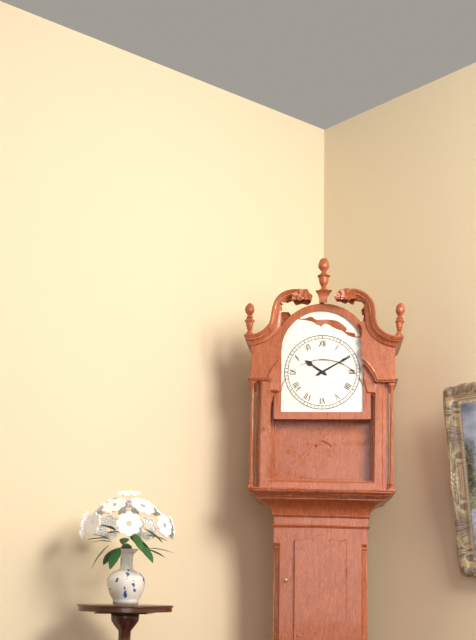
10h10
